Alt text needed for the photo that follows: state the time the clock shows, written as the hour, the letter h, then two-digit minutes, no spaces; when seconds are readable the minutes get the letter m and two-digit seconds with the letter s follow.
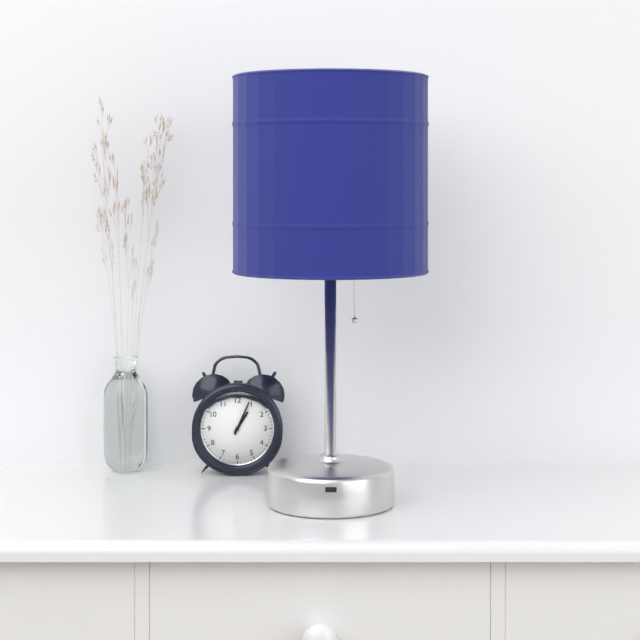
1h04
